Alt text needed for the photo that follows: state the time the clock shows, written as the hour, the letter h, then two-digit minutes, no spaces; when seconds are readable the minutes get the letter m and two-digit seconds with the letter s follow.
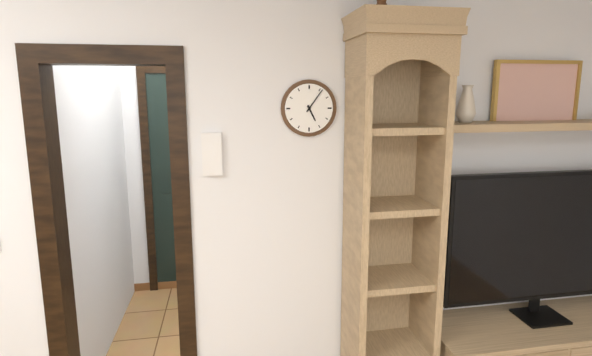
5h06
